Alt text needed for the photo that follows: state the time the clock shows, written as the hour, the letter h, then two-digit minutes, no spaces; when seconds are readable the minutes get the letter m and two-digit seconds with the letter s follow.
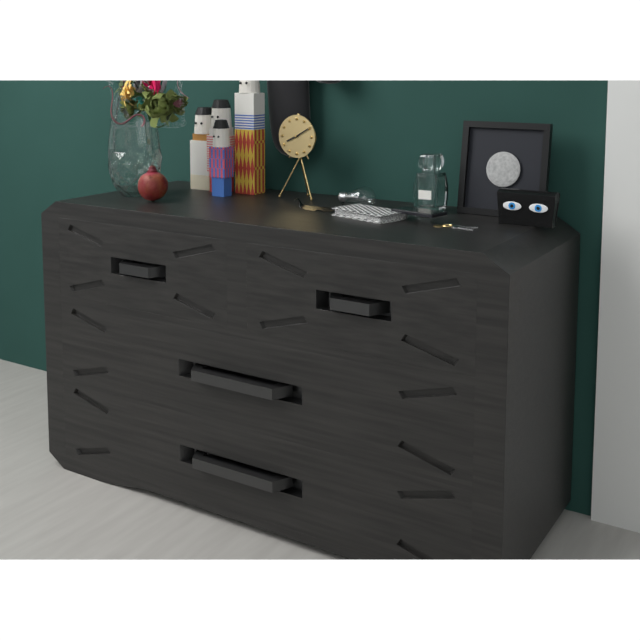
8h10
